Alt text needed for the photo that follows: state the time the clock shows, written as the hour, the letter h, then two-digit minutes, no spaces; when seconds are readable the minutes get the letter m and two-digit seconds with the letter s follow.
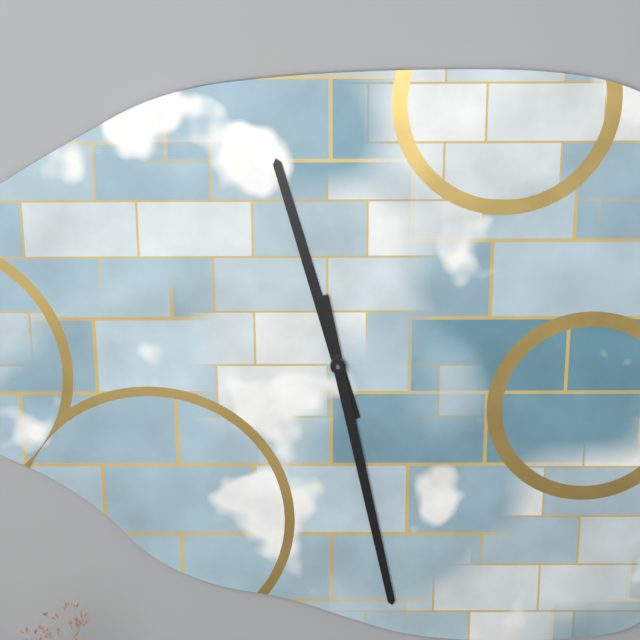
11h28
